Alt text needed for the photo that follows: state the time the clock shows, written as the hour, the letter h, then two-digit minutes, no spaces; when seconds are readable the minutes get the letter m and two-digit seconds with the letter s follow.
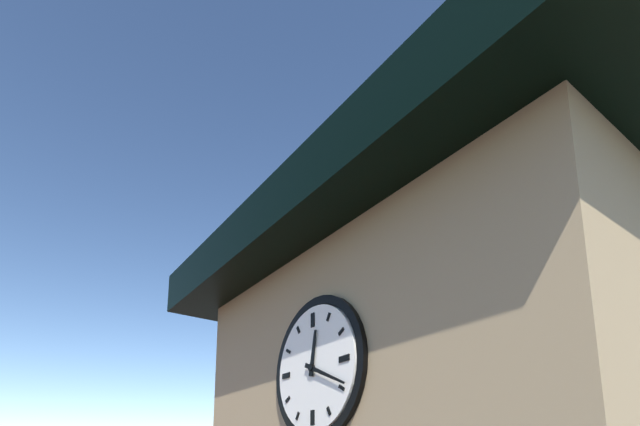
12h19
